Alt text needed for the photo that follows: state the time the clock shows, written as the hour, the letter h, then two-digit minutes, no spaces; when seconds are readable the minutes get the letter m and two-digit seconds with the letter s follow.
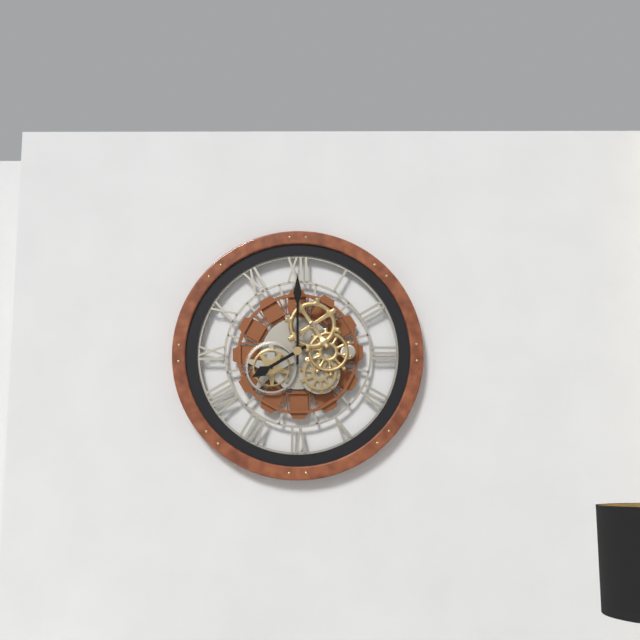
8h00
